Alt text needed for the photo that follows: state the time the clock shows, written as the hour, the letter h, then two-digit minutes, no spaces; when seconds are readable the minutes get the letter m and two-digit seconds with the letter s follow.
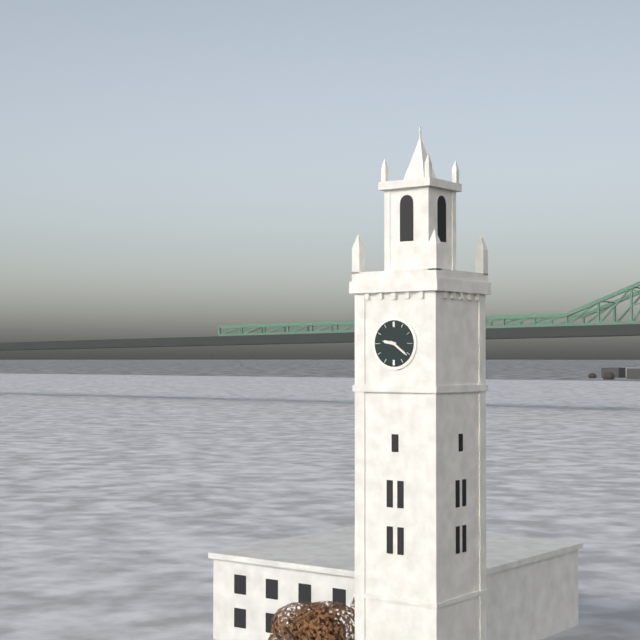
9h21
